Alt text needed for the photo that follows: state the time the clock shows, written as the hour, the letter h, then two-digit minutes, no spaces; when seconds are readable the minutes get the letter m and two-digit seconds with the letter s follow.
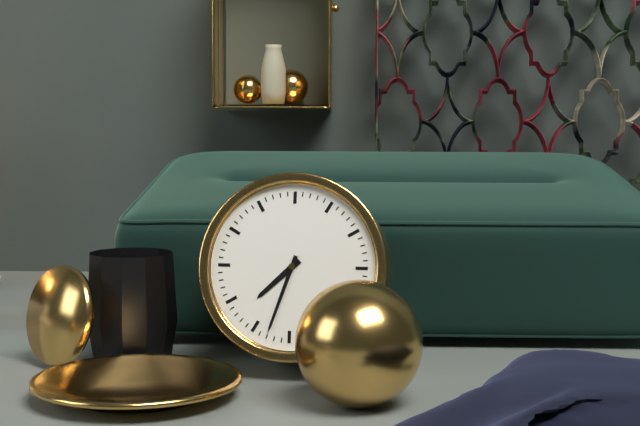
7h33
